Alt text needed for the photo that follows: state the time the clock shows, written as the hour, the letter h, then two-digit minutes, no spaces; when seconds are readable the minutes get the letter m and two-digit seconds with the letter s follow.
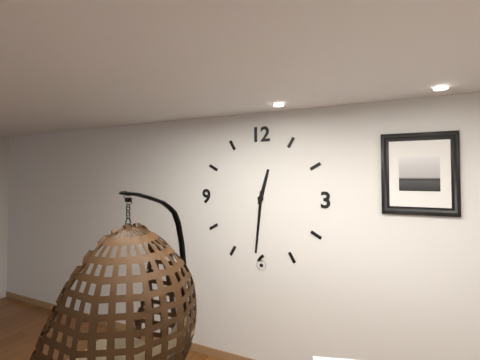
12h31
